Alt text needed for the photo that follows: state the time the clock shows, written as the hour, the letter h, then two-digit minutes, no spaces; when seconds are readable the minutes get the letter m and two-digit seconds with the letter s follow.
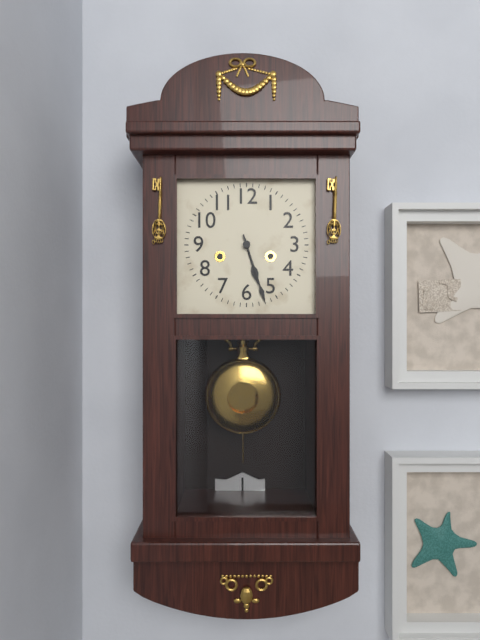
5h27
